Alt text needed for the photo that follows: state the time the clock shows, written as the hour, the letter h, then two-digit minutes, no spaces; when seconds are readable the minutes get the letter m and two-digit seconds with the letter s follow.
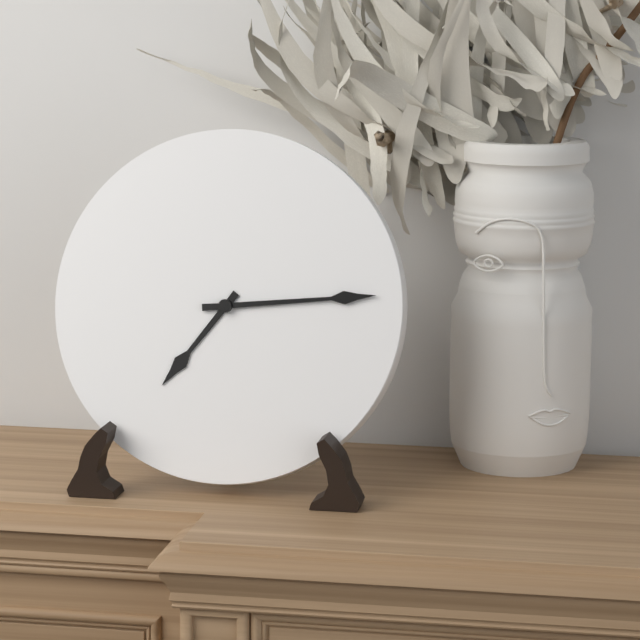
7h14
